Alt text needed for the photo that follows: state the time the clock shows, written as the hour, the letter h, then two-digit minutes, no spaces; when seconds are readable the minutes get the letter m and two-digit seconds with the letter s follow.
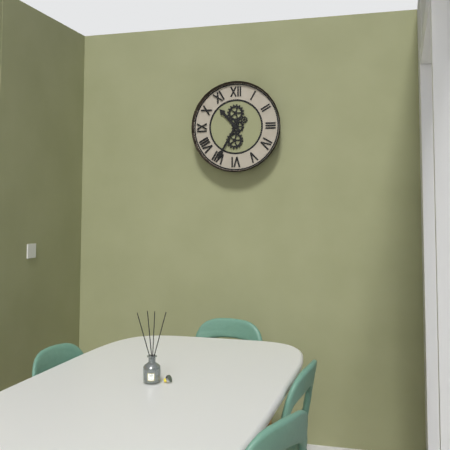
10h35
